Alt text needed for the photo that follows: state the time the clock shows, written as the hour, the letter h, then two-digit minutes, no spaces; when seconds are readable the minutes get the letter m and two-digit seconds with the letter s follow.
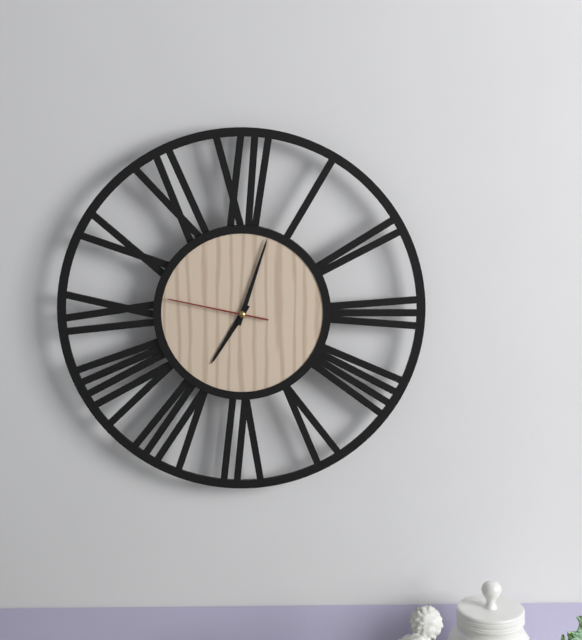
7h03m47s
